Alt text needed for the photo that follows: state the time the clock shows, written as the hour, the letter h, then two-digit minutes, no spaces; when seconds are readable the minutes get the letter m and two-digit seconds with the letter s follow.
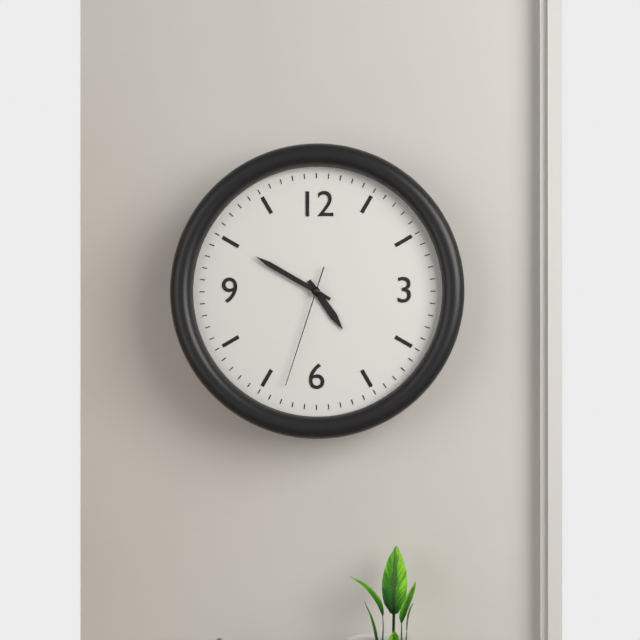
4h50m33s
